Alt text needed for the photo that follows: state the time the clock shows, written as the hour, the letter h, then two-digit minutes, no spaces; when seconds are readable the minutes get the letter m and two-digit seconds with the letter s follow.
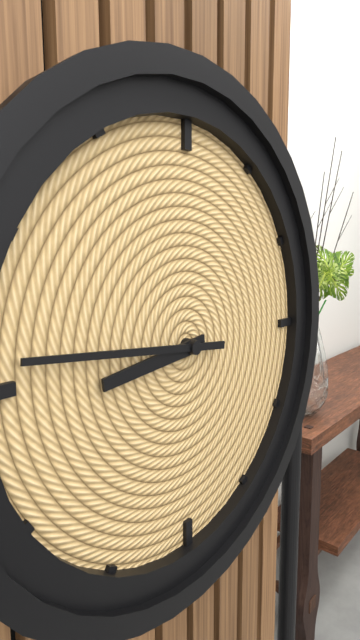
8h46
